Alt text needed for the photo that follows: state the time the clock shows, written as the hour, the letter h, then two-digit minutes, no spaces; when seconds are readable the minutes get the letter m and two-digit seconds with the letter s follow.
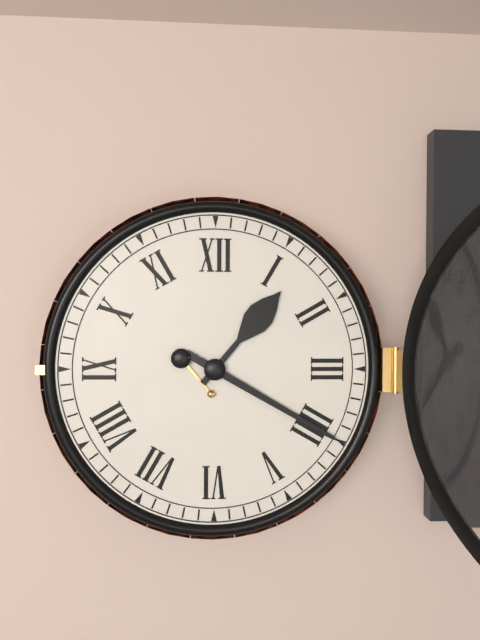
1h20
